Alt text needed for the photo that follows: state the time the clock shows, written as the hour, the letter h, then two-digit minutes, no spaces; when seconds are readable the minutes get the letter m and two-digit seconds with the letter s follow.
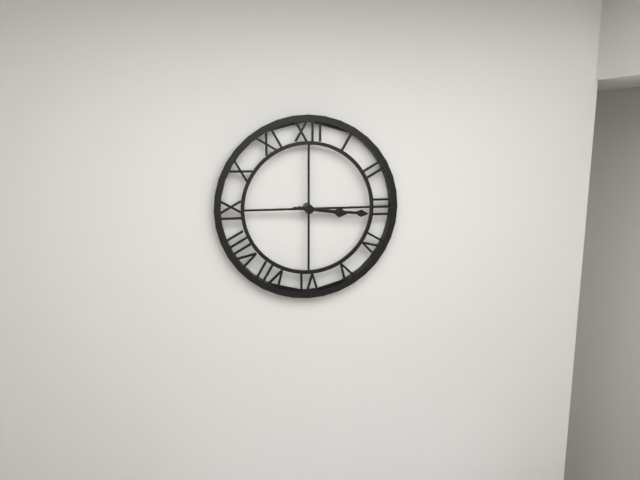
3h16
